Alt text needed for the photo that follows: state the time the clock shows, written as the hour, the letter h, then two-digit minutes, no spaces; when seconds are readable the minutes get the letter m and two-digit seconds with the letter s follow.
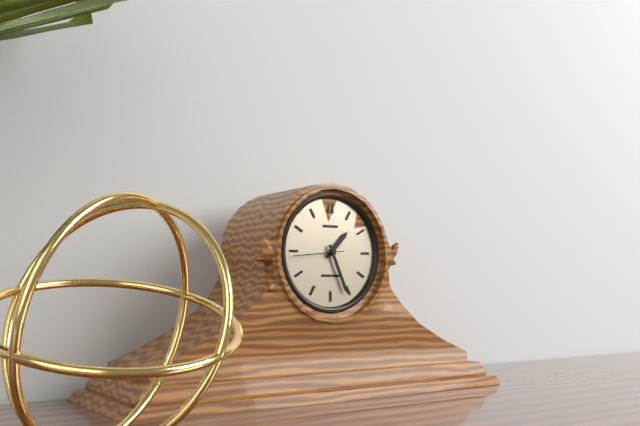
1h26
